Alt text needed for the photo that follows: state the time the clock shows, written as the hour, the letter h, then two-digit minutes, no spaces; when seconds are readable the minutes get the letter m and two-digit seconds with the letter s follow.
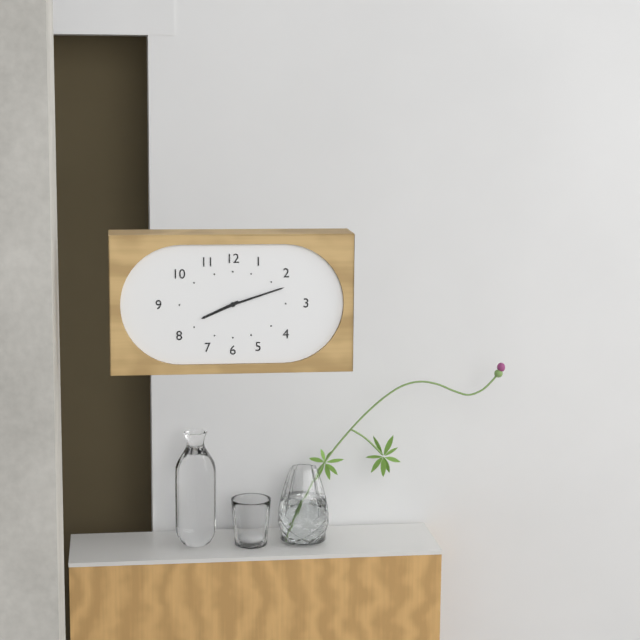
8h12
